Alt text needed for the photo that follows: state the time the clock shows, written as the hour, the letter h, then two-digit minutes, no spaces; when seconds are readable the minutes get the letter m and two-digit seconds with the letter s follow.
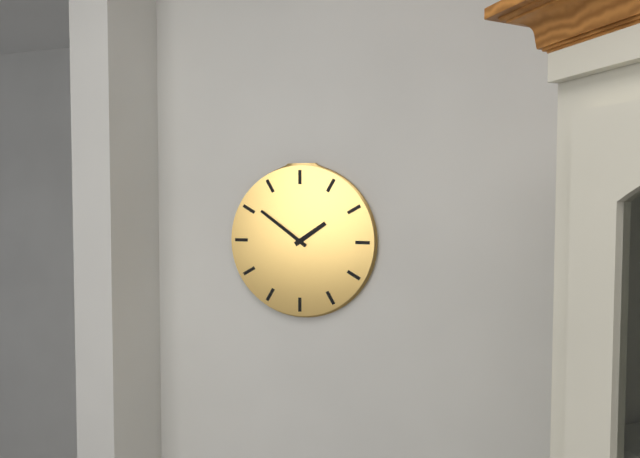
1h51
